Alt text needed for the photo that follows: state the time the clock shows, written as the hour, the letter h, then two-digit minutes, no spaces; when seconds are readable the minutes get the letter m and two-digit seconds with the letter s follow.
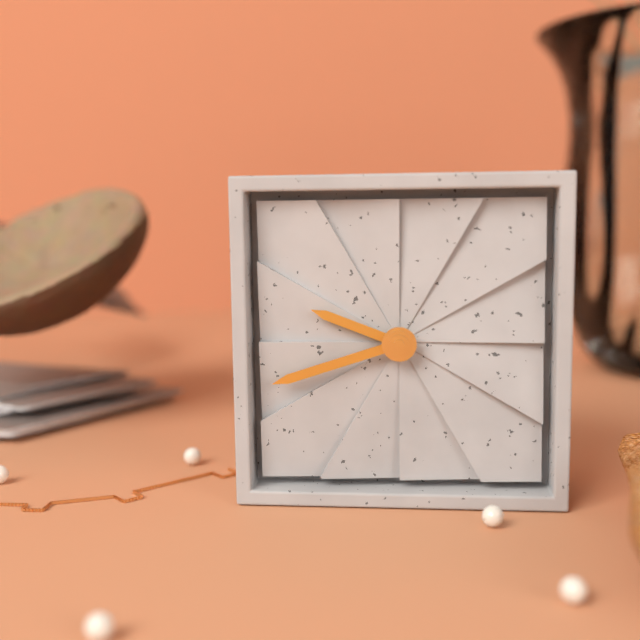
9h42
